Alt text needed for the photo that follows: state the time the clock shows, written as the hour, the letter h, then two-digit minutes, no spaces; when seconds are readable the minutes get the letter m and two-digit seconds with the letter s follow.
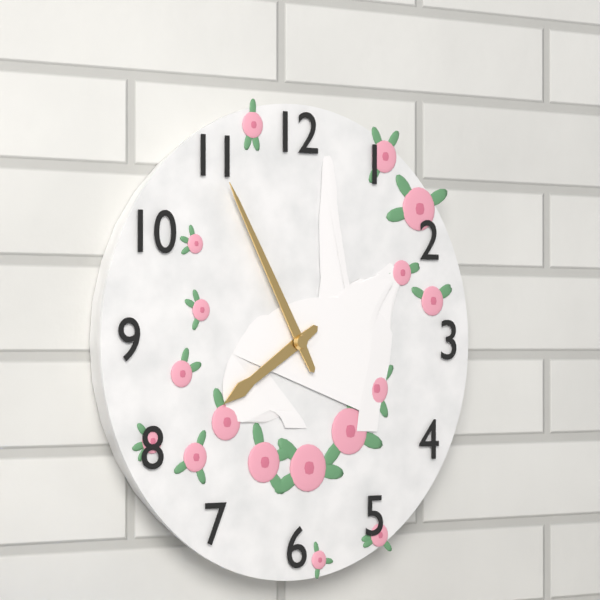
7h55
